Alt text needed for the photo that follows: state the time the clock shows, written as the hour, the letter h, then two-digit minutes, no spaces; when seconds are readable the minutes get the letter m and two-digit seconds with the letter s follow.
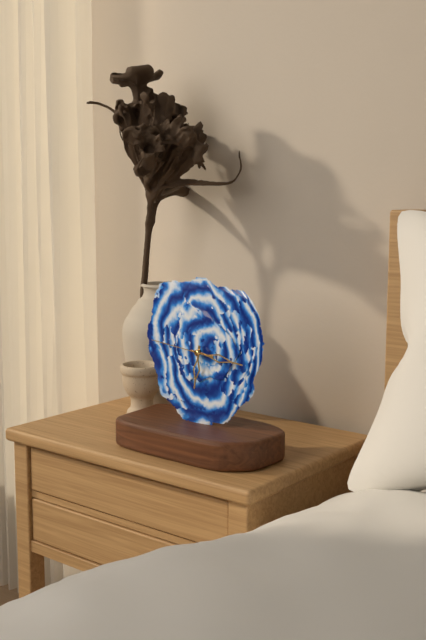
6h16m46s
